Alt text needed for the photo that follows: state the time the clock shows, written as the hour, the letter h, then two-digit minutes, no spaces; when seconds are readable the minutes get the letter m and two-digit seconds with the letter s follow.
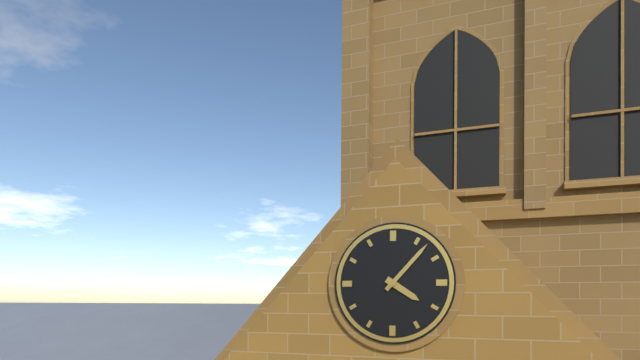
4h07
